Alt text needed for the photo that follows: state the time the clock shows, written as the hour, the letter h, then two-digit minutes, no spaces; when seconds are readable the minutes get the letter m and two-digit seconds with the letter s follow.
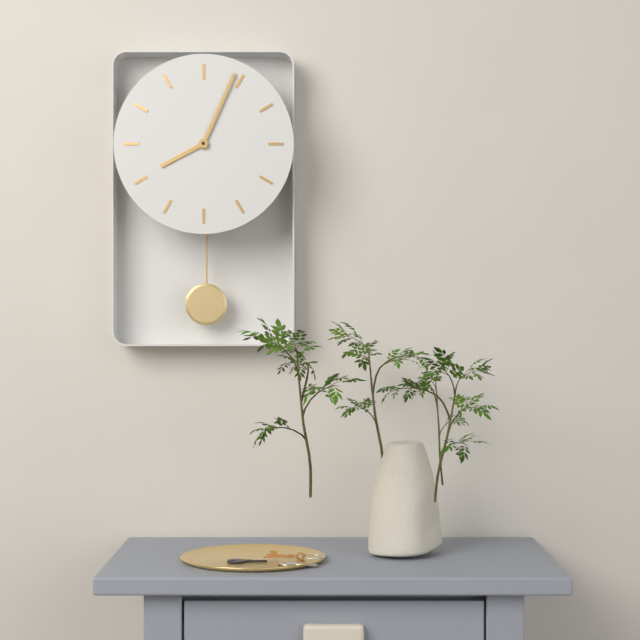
8h04
